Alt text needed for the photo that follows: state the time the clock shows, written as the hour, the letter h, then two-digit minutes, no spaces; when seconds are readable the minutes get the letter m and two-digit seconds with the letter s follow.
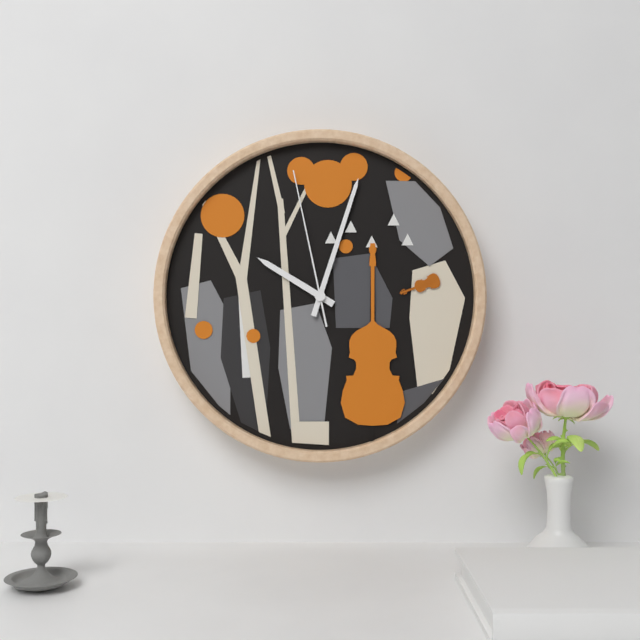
10h03m58s
